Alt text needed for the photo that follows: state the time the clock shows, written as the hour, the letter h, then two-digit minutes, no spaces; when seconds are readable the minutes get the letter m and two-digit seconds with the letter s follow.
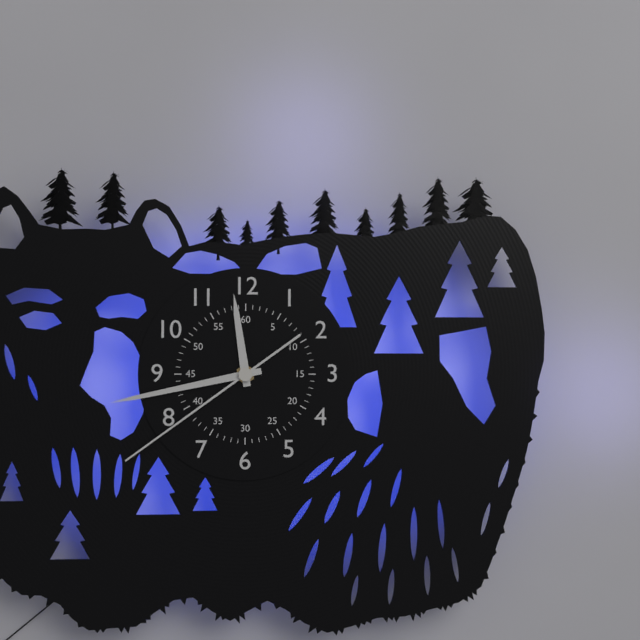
11h43m39s
